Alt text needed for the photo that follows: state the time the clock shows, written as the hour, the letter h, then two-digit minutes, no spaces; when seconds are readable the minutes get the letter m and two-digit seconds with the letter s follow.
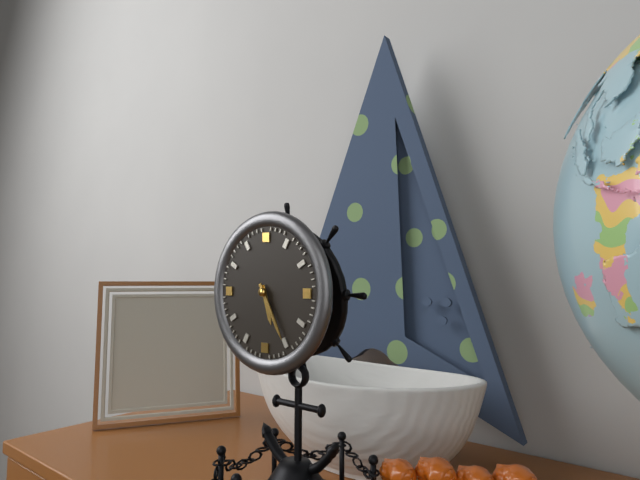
5h25
